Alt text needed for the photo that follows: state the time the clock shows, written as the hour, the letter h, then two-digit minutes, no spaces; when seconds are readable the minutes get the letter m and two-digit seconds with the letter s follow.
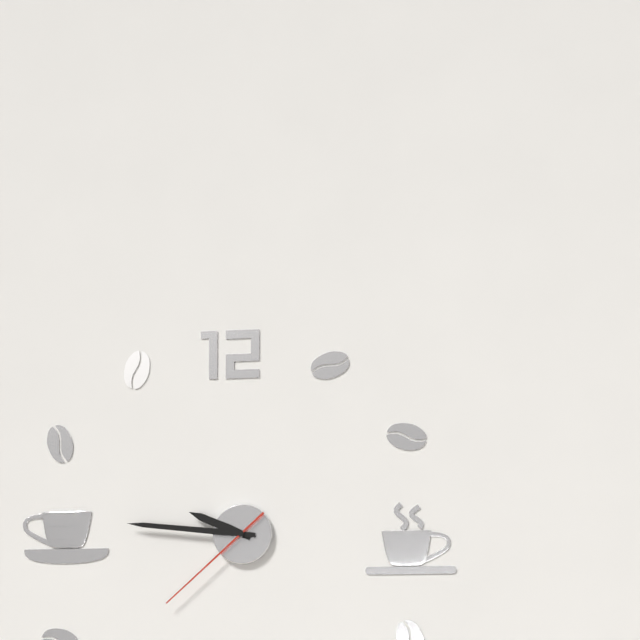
9h46m38s
